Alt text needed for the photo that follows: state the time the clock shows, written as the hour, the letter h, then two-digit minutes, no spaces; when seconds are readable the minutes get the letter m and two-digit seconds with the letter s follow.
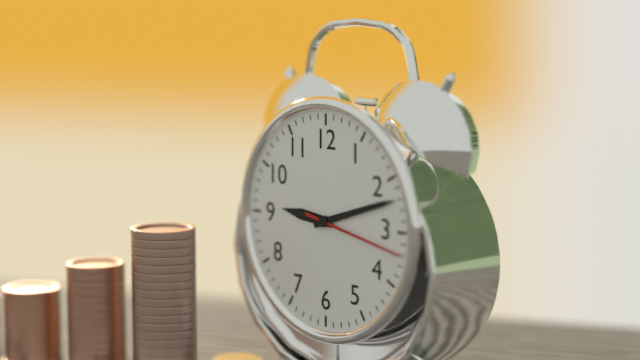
9h12m17s
